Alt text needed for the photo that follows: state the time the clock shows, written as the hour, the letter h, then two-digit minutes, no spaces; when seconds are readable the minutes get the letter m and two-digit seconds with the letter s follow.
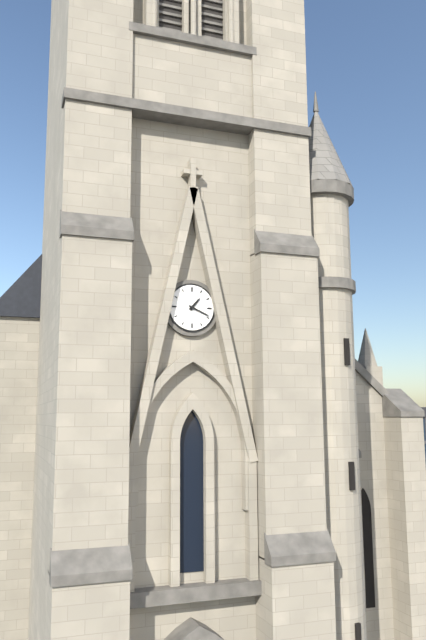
1h19
